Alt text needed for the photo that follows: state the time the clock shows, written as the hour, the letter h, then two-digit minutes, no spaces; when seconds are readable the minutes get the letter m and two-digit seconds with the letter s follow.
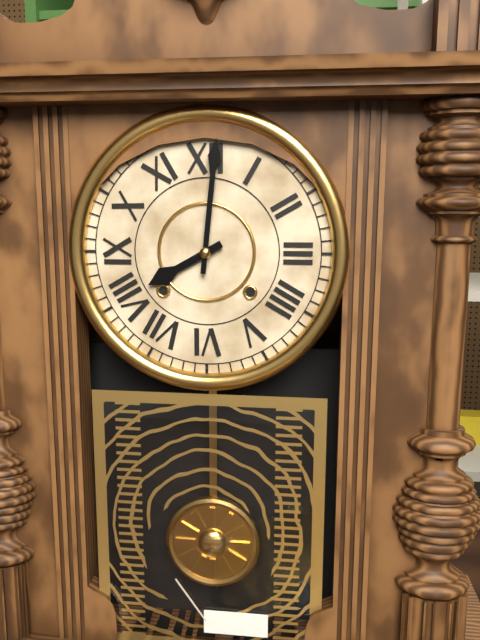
8h01
